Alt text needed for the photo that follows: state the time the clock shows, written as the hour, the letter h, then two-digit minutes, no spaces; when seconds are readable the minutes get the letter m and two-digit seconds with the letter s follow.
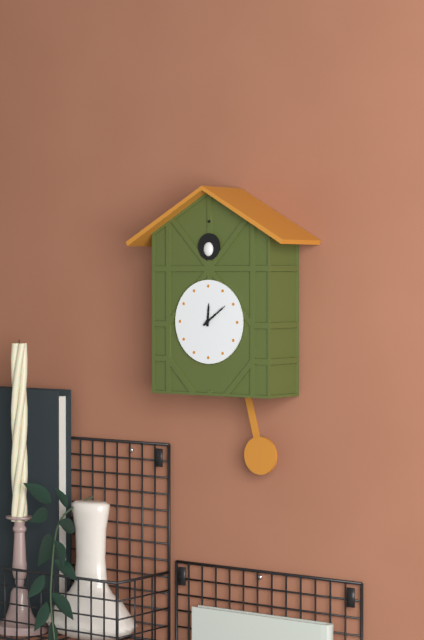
12h09
